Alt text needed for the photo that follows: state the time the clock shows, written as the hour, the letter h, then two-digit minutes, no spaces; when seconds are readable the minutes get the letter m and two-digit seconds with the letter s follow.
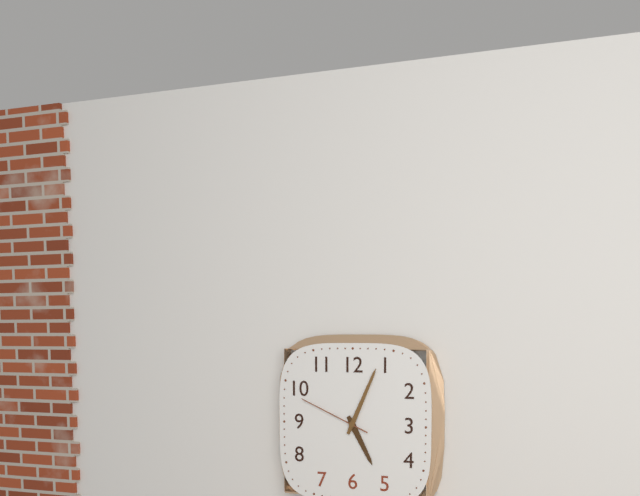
5h04m49s
